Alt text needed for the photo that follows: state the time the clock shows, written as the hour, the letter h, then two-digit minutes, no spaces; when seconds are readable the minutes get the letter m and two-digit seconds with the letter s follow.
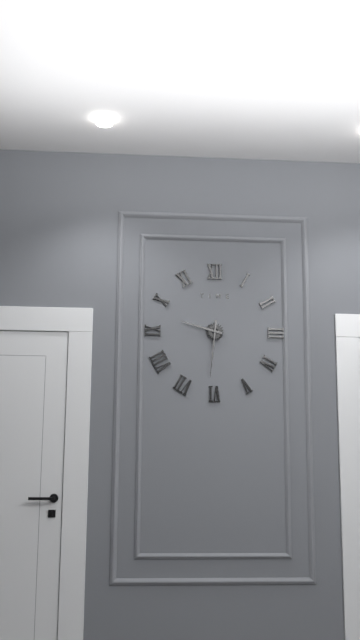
9h31
